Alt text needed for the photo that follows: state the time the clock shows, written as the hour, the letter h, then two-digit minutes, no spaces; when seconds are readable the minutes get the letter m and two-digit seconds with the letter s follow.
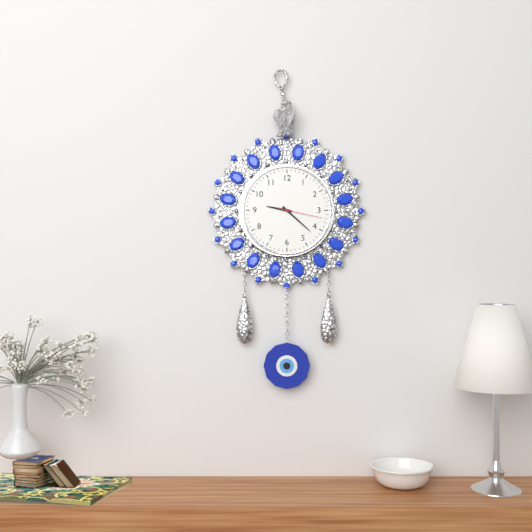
9h22
